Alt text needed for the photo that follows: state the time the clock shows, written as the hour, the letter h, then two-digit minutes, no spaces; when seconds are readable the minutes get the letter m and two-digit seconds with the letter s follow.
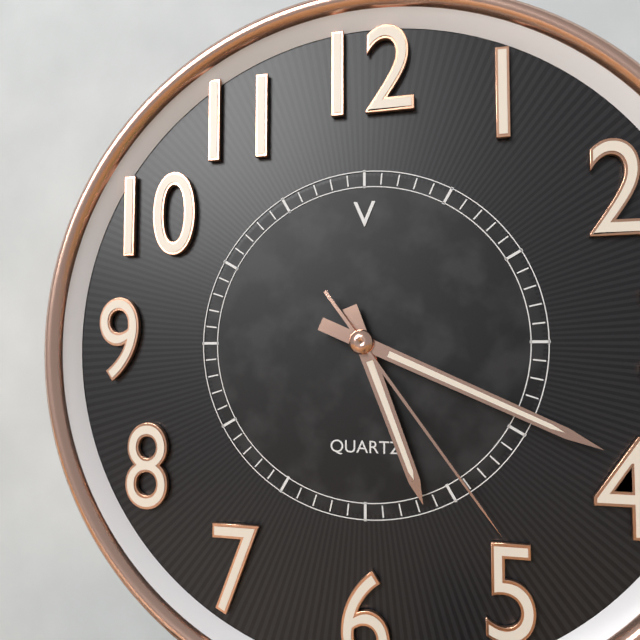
5h19m24s
